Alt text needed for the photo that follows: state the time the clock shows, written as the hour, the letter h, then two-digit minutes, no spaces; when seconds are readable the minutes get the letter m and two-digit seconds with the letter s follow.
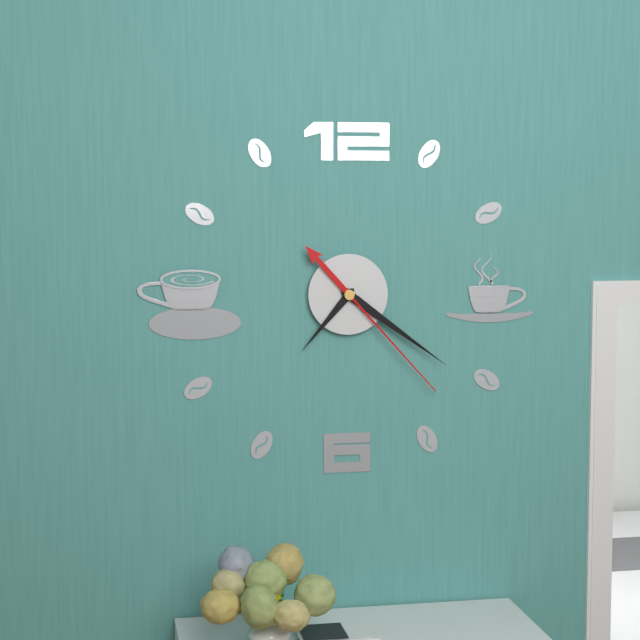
7h21m23s
